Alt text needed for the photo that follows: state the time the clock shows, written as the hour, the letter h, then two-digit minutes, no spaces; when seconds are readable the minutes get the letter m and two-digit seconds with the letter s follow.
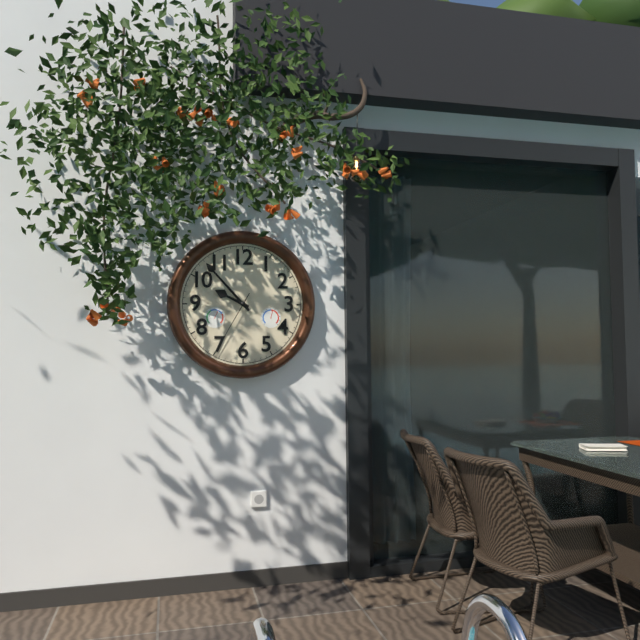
9h53m35s
